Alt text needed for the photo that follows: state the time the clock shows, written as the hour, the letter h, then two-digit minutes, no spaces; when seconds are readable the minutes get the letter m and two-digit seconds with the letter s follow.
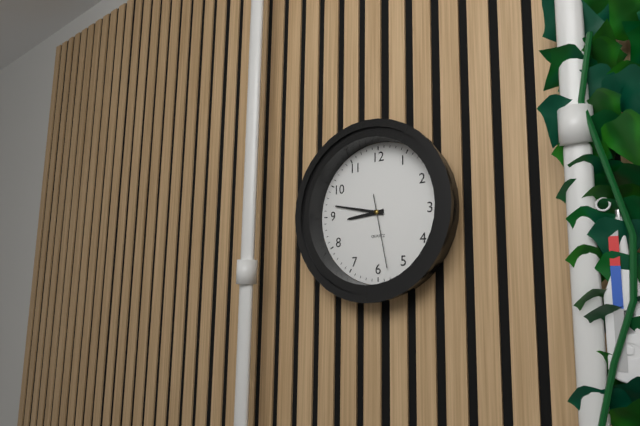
8h47m28s
